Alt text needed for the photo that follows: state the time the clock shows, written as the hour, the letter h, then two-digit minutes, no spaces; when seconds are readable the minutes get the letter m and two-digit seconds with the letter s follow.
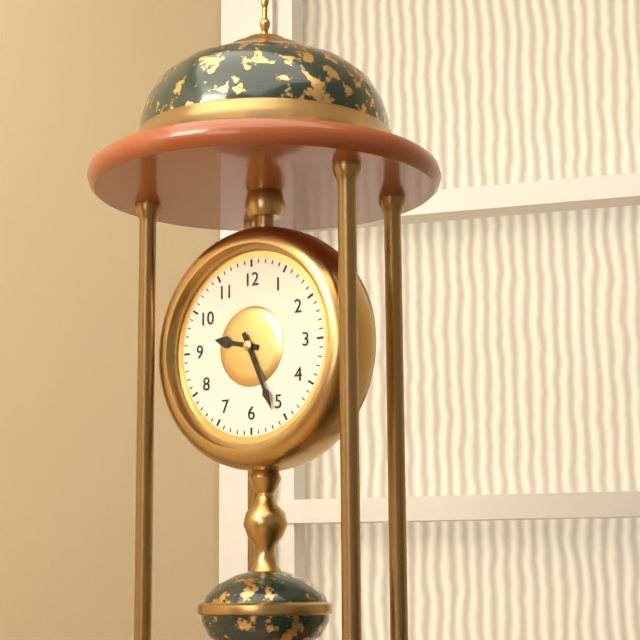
9h26
